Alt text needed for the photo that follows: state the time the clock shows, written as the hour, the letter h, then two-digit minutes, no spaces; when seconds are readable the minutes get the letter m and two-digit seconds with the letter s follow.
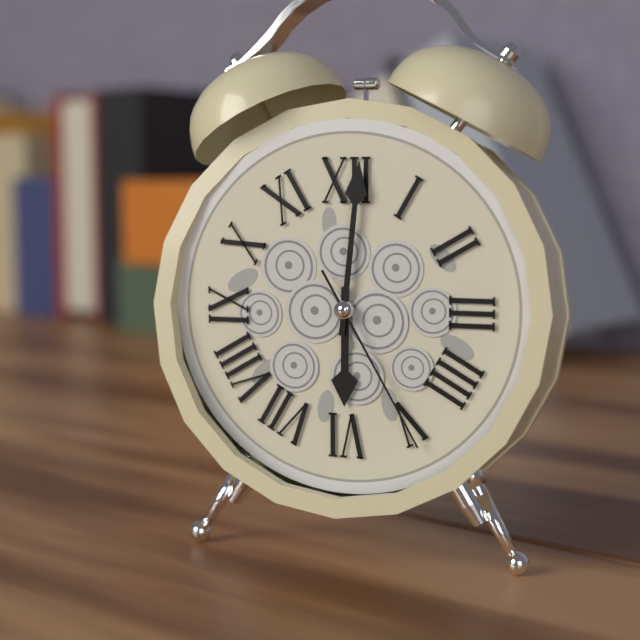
6h01m25s
